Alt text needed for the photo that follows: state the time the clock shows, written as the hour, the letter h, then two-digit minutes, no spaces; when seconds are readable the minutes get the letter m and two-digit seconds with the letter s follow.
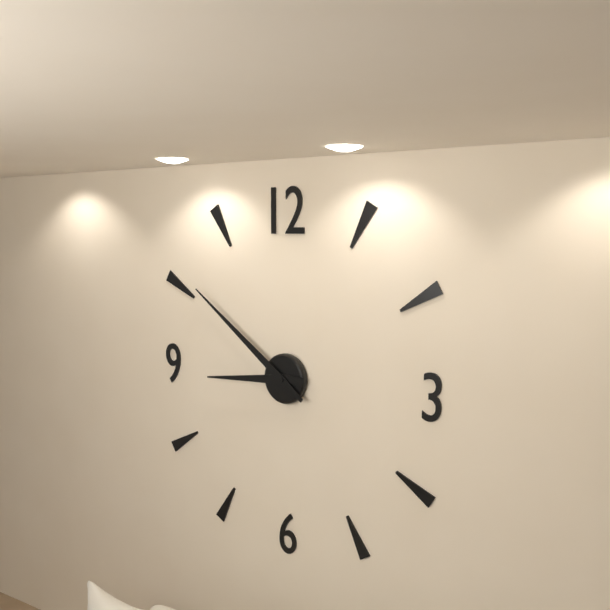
8h51
